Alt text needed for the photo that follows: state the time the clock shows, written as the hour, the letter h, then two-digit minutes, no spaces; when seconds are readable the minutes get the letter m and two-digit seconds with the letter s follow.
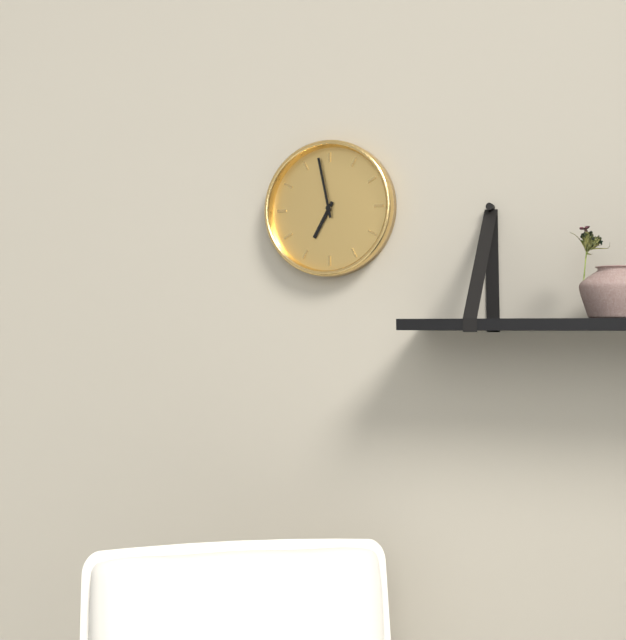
6h58
